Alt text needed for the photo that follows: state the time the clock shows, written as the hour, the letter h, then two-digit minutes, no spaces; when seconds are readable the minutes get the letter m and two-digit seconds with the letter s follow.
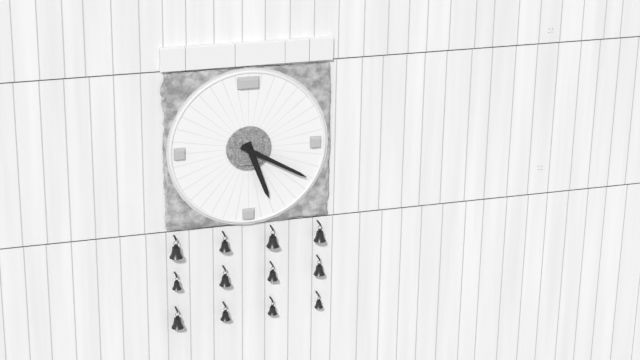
5h20
